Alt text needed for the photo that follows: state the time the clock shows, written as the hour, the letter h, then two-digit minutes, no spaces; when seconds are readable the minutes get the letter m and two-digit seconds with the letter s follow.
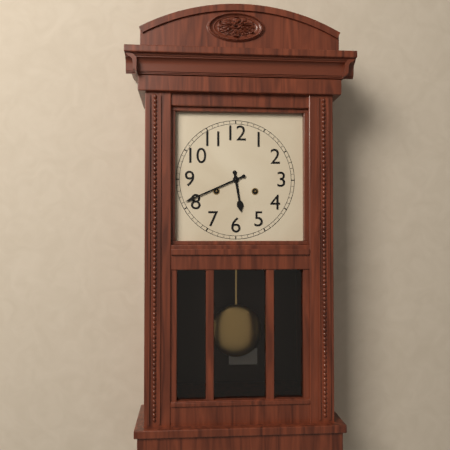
5h41
